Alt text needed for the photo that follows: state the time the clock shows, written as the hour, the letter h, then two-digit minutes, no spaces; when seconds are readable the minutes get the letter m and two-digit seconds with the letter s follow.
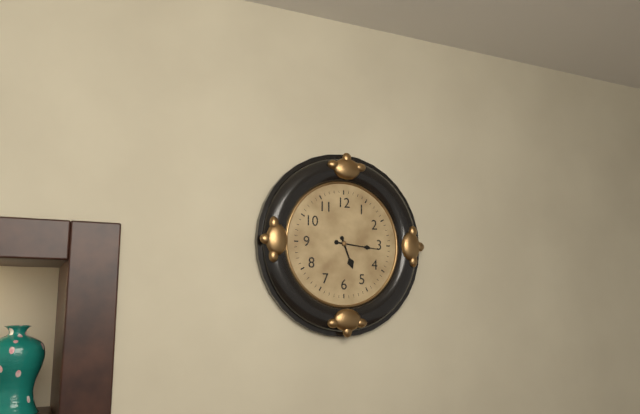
5h16
